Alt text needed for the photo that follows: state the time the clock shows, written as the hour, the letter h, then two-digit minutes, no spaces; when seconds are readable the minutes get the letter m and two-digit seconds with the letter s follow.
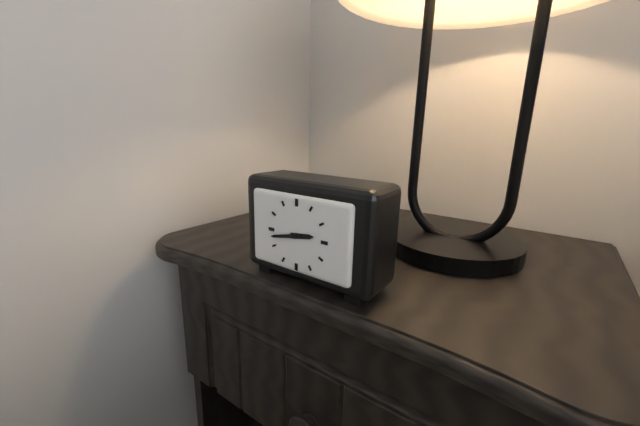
2h43
